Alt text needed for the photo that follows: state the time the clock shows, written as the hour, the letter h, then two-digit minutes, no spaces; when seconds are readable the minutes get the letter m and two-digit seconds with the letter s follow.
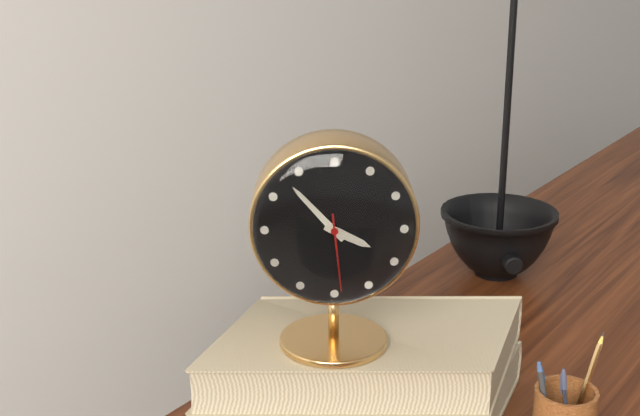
3h53m29s
